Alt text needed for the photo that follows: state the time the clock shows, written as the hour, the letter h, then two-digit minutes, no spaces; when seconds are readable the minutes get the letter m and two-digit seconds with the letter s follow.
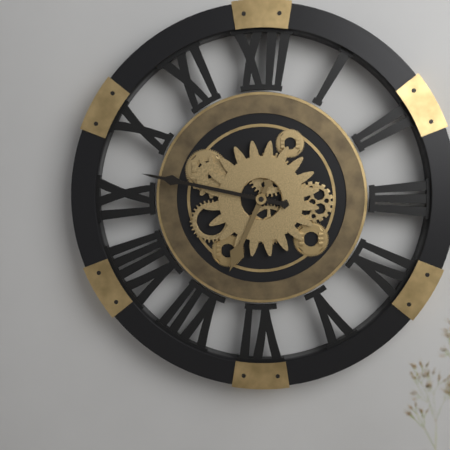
6h47
